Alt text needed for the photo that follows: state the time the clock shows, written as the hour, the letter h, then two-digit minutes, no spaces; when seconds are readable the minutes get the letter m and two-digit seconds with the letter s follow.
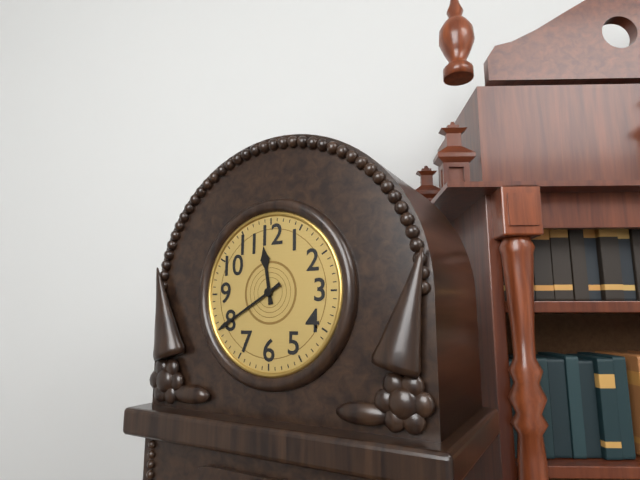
11h40
